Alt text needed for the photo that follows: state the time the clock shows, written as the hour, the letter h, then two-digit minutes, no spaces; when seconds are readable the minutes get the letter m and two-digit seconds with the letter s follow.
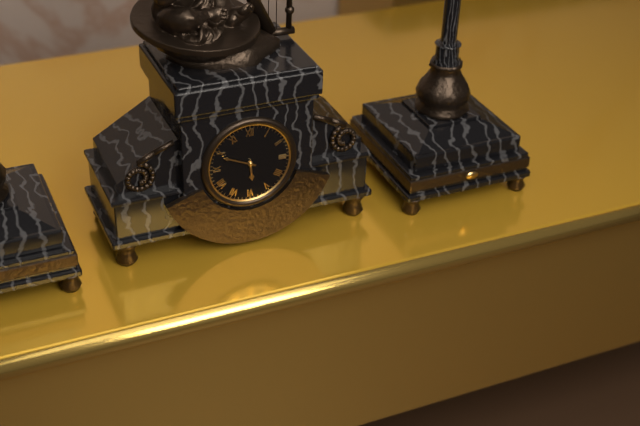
5h49
